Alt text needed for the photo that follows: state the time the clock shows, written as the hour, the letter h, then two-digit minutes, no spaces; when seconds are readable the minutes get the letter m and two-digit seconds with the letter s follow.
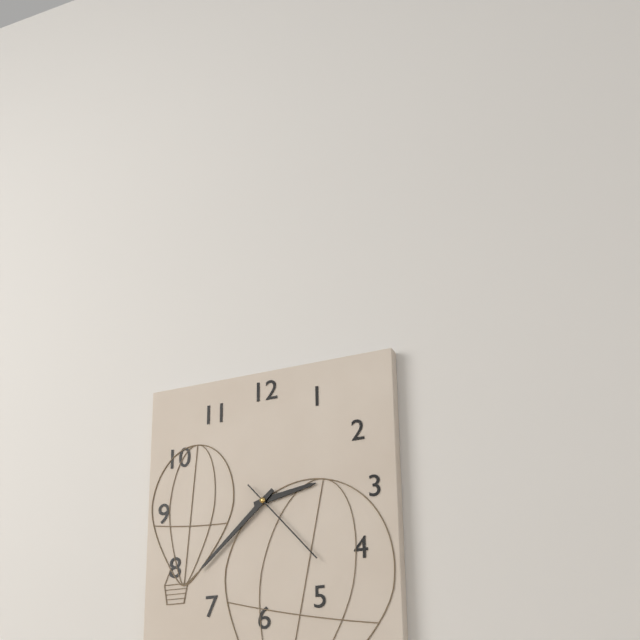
2h38m23s
